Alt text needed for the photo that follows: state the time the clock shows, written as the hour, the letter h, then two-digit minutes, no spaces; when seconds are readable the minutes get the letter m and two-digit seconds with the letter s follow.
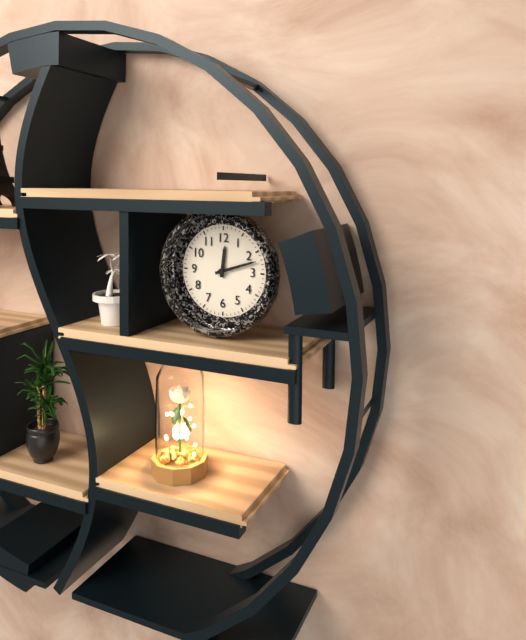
12h12
